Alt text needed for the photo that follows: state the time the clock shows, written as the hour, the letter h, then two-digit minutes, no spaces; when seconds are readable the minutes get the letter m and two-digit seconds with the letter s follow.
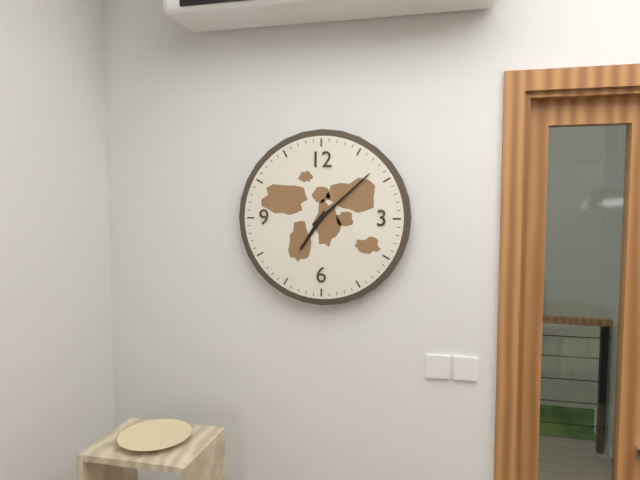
7h08
